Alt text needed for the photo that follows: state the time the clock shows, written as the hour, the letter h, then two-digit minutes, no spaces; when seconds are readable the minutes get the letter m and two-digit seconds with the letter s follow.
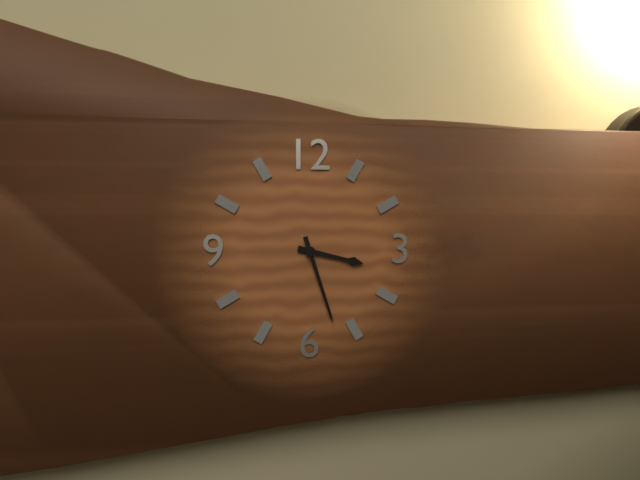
3h27
